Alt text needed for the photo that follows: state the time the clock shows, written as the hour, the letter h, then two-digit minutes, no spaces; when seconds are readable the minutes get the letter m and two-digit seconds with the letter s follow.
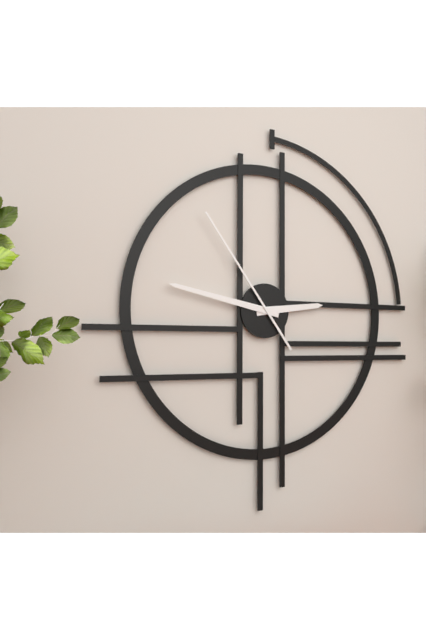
2h47m54s
